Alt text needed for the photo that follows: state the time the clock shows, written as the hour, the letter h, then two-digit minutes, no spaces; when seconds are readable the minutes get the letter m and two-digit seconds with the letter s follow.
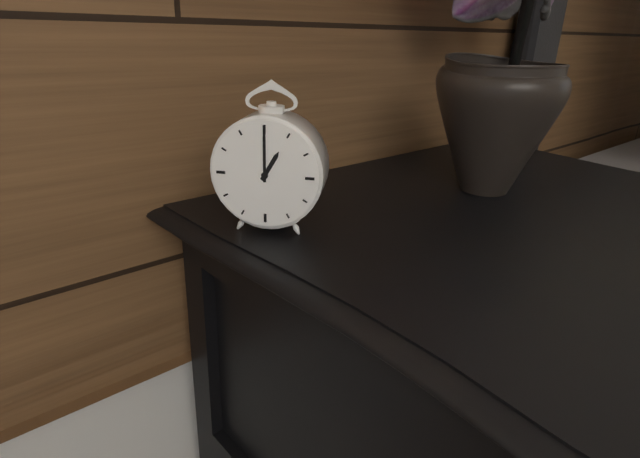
1h00
